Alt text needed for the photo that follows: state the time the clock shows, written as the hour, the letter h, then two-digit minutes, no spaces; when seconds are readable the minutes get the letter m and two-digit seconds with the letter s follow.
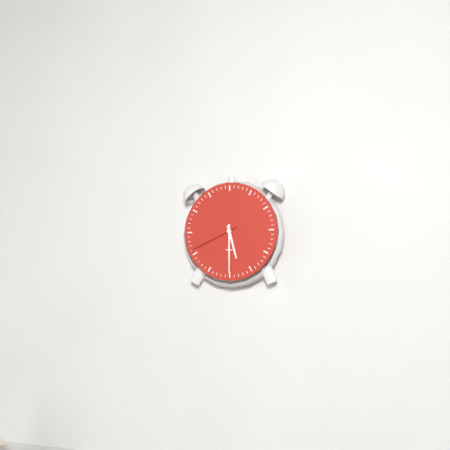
5h30m41s
